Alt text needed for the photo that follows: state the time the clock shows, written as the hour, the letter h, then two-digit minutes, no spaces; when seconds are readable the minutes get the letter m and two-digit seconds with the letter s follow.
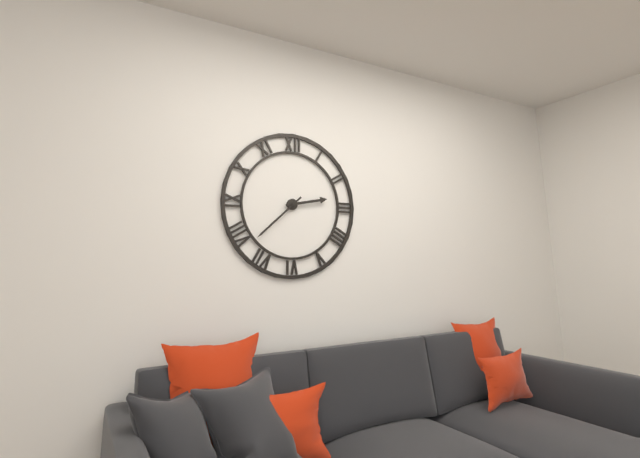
2h38
